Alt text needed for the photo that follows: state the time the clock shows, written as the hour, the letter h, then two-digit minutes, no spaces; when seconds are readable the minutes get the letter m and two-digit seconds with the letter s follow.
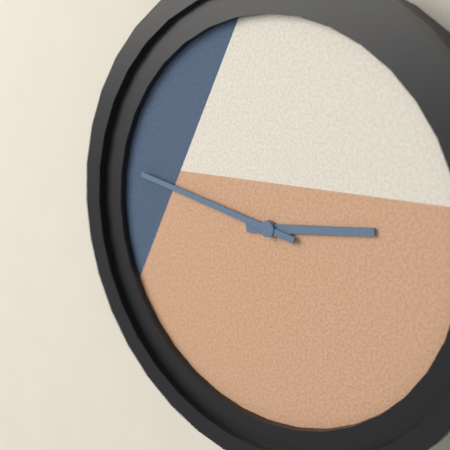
2h47
